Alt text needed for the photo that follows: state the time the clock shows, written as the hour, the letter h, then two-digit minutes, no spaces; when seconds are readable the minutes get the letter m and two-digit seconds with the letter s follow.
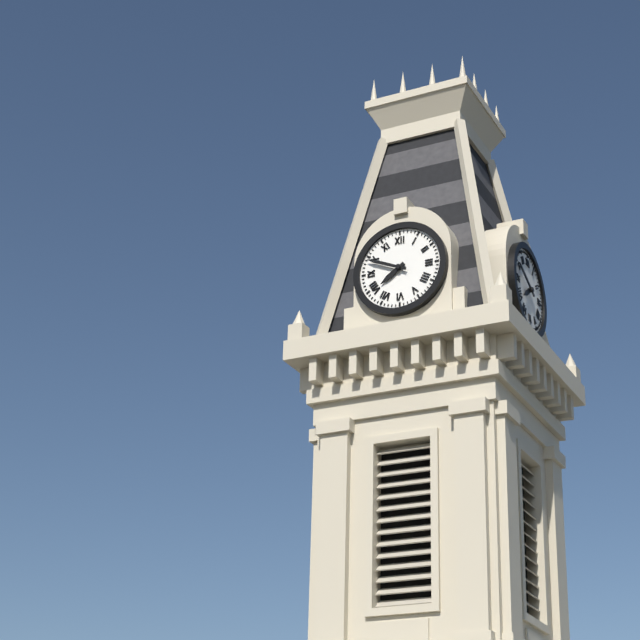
7h49
